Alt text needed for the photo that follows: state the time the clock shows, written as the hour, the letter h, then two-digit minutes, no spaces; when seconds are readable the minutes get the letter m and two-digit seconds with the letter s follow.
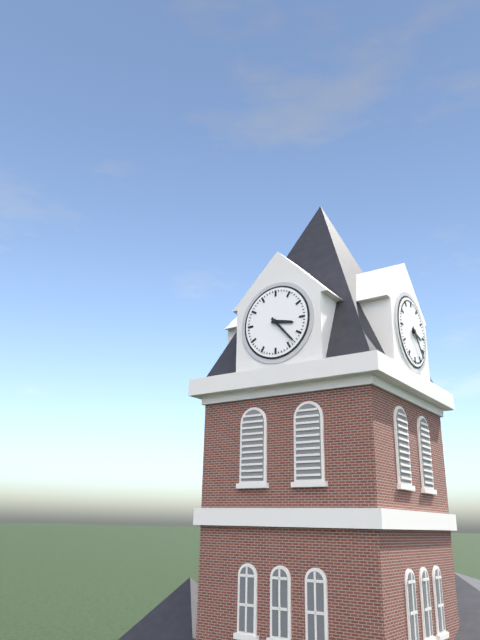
3h23
